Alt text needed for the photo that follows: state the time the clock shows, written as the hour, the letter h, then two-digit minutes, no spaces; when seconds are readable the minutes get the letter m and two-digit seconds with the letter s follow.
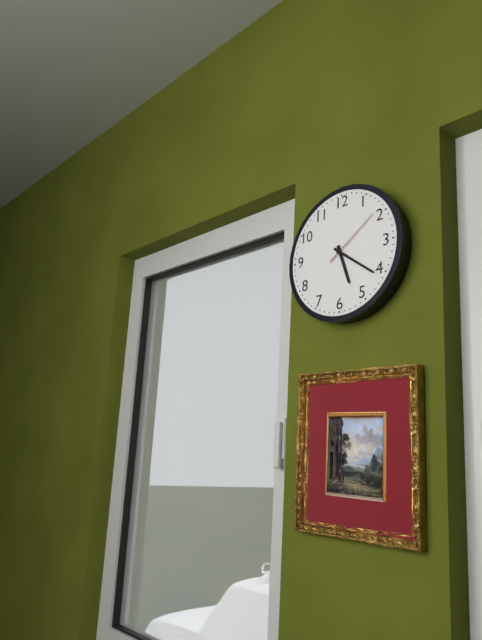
5h21m09s
